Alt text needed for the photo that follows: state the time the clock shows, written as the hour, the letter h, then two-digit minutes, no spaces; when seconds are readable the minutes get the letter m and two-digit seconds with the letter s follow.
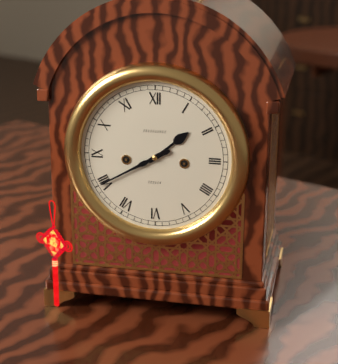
1h40
